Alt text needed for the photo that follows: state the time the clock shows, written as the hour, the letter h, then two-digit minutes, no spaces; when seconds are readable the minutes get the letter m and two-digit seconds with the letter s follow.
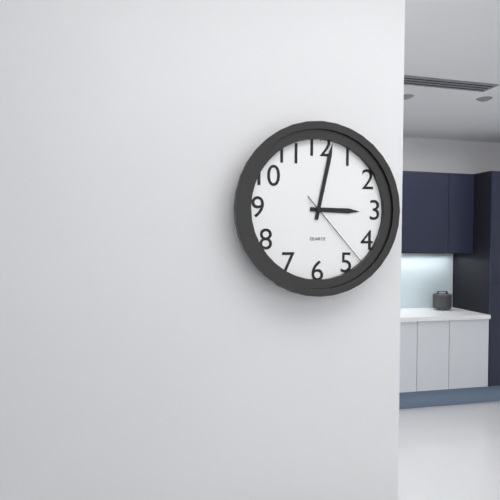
3h02m23s
